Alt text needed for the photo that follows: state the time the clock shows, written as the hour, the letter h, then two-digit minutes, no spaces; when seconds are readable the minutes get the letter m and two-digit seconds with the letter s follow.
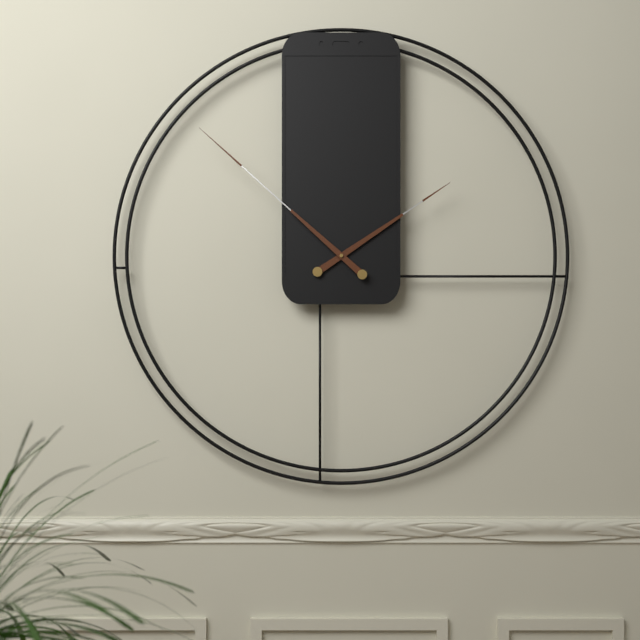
1h52
